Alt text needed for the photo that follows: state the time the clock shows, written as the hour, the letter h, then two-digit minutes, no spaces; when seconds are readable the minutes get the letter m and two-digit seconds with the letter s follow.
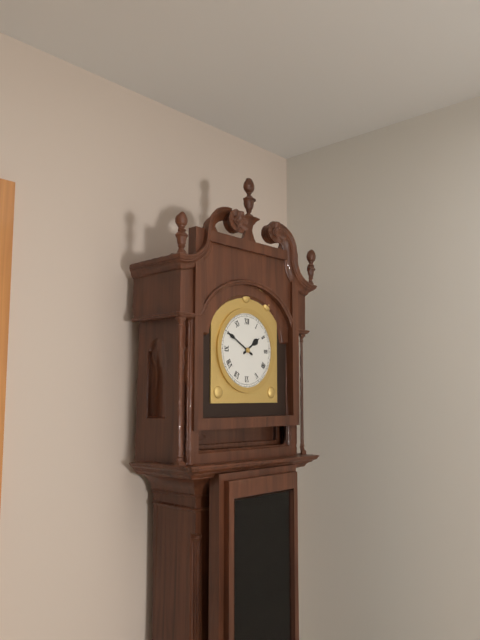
1h50
